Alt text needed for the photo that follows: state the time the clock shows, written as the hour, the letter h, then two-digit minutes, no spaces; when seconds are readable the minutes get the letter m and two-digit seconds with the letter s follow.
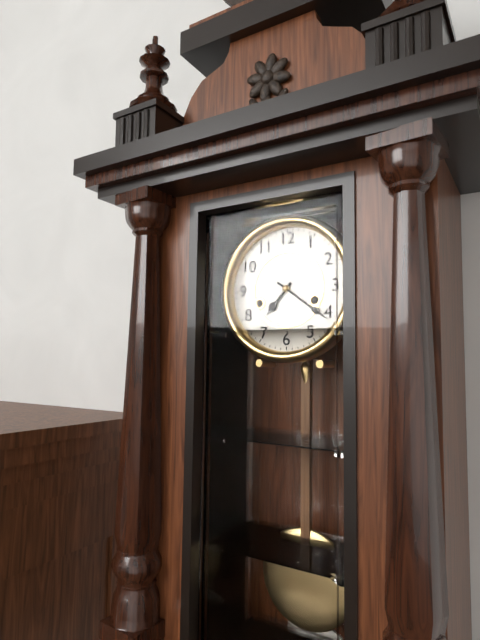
7h21
